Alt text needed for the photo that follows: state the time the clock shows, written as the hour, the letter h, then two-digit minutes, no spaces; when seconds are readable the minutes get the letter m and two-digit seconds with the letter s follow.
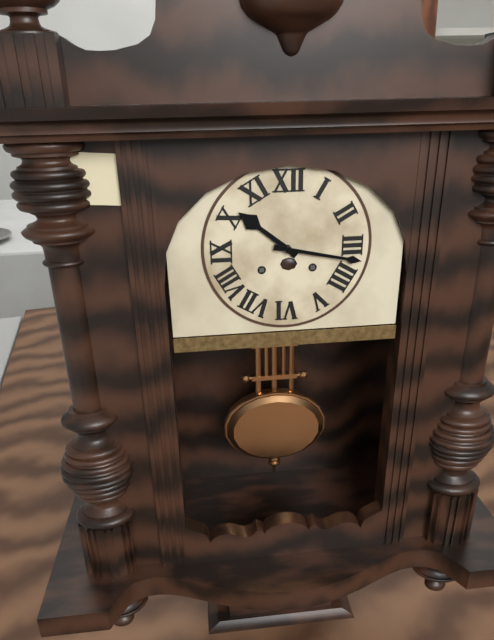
10h17
